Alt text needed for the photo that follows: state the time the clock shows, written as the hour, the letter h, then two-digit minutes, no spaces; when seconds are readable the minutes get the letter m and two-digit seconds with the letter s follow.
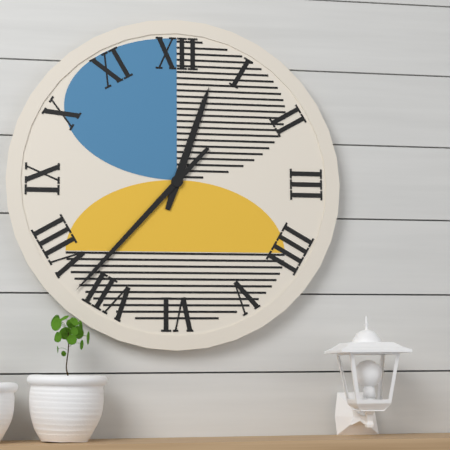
12h37
